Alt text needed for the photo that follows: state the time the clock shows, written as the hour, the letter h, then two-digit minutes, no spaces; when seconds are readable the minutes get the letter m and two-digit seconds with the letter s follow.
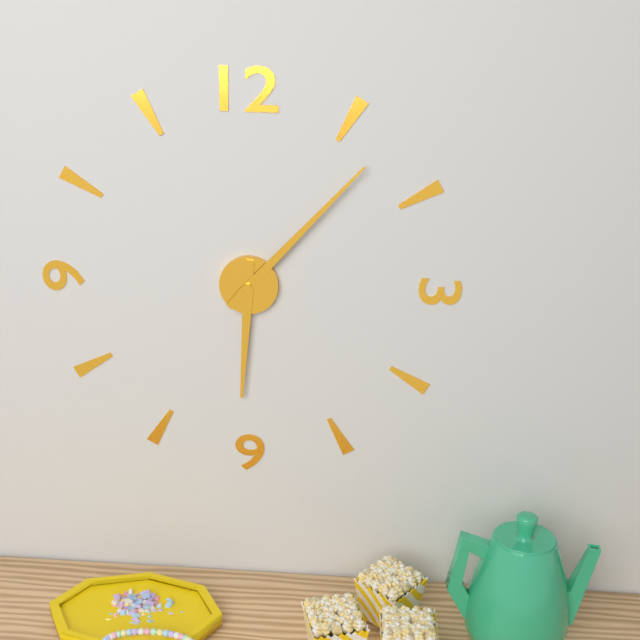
6h07
